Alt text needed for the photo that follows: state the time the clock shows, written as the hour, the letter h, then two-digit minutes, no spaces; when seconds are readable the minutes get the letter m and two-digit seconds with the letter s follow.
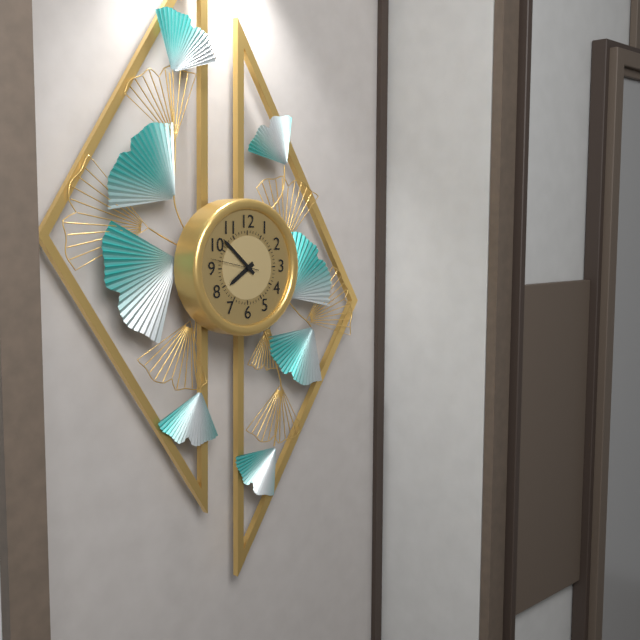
7h52
